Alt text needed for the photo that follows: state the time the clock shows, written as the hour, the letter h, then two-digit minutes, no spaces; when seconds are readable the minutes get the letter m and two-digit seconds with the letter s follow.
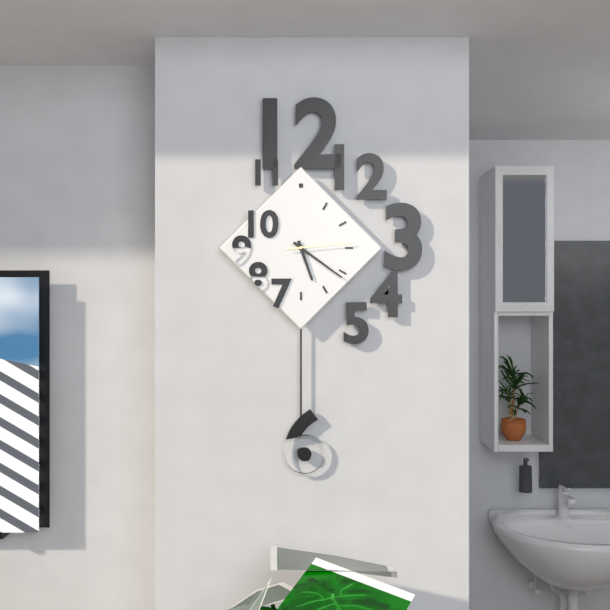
5h21m14s
